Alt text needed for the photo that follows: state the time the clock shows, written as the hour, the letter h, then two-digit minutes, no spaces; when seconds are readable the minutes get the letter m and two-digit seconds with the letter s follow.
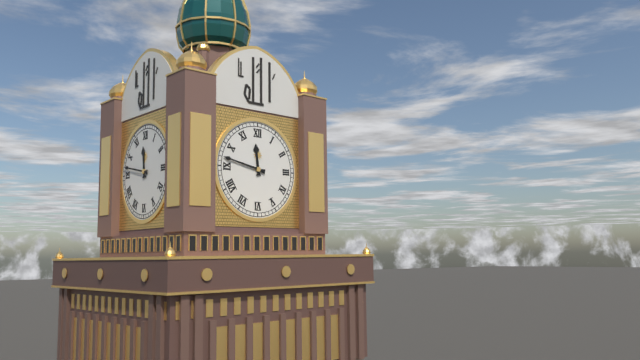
11h47
